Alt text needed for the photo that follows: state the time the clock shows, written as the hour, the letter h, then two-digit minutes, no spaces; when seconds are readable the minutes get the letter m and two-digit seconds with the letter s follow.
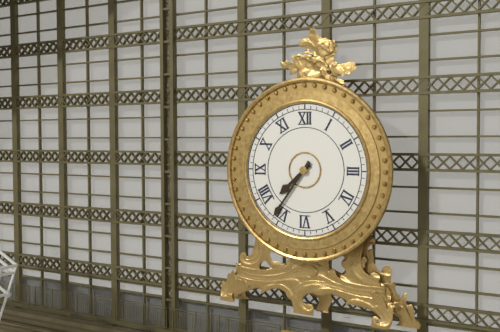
7h36
